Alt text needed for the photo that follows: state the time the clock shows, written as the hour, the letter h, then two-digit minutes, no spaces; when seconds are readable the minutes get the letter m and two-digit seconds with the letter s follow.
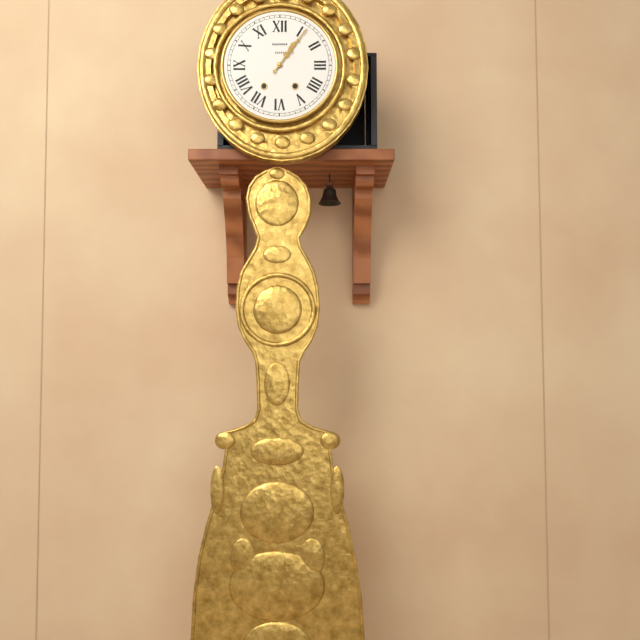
1h06
